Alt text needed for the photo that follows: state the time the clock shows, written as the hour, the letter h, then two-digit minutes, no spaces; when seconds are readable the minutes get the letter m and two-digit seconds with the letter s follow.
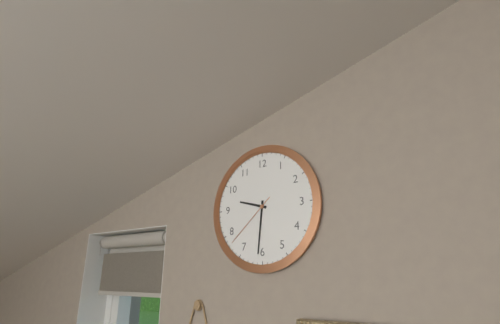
9h31m38s
